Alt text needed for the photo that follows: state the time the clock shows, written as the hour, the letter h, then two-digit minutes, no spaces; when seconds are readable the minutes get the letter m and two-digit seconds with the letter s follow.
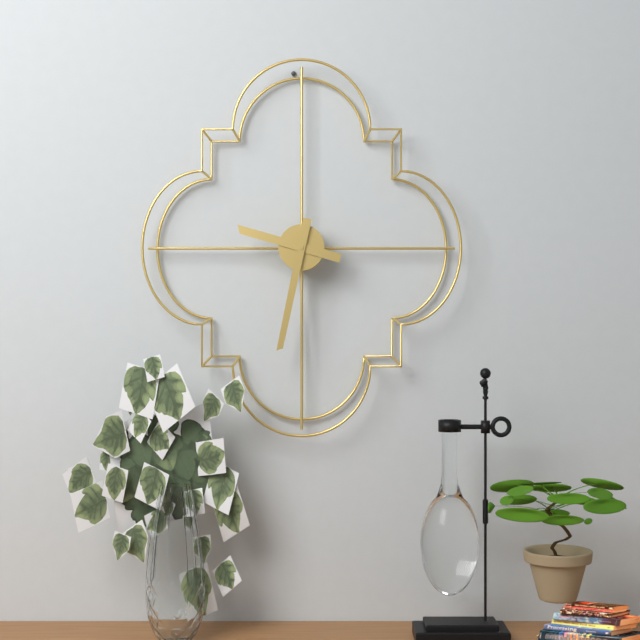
9h32
